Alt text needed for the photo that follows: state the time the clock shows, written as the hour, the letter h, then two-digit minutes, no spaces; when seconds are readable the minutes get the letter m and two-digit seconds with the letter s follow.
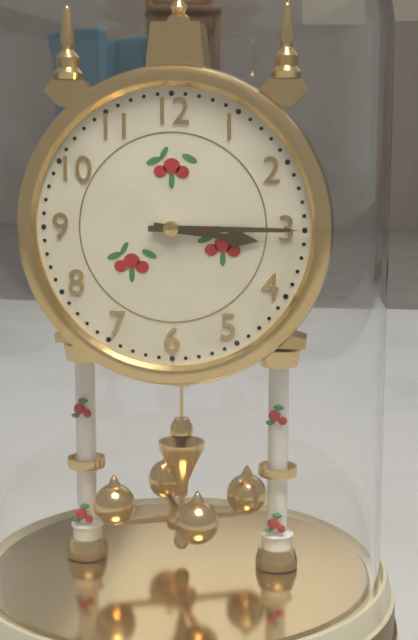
3h15
